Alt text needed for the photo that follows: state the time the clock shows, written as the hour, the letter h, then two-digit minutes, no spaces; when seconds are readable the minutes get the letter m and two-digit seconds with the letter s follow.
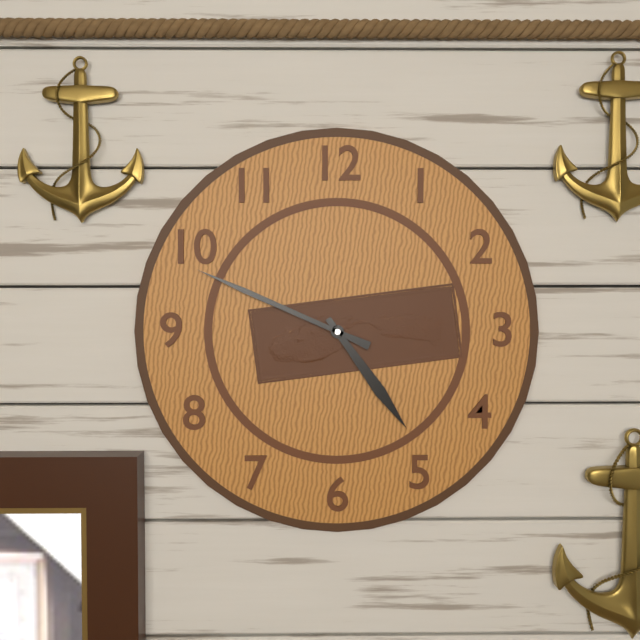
4h49
